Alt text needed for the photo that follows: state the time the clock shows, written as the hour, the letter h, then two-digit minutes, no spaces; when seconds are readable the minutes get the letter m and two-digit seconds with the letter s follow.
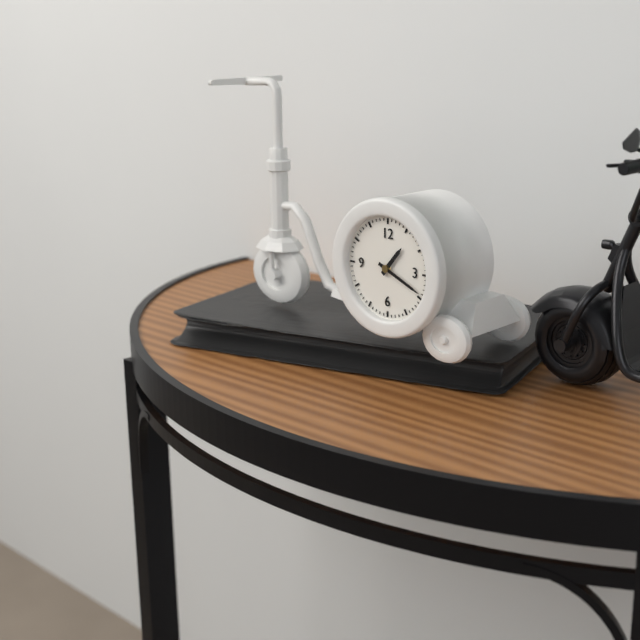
1h19
